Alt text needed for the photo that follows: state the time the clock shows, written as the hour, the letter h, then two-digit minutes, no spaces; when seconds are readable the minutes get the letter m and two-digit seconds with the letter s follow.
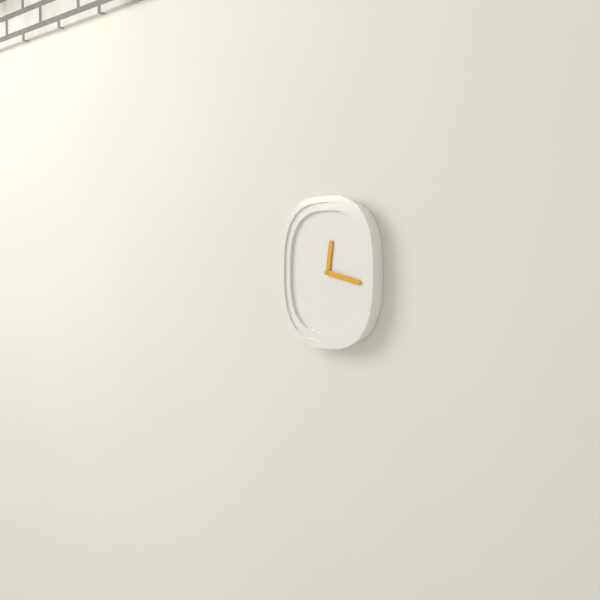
12h17
